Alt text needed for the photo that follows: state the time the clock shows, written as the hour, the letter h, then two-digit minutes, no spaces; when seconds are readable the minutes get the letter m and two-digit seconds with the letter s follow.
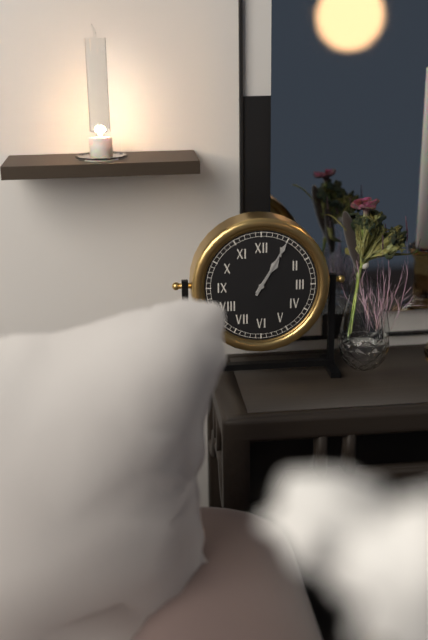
1h05
